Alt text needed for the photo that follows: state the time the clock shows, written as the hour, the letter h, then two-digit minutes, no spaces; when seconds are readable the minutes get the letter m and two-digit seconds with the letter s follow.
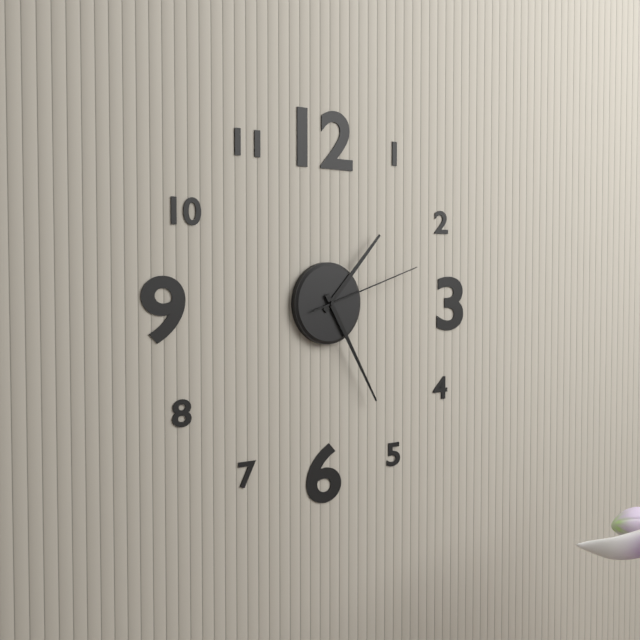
1h25m12s
